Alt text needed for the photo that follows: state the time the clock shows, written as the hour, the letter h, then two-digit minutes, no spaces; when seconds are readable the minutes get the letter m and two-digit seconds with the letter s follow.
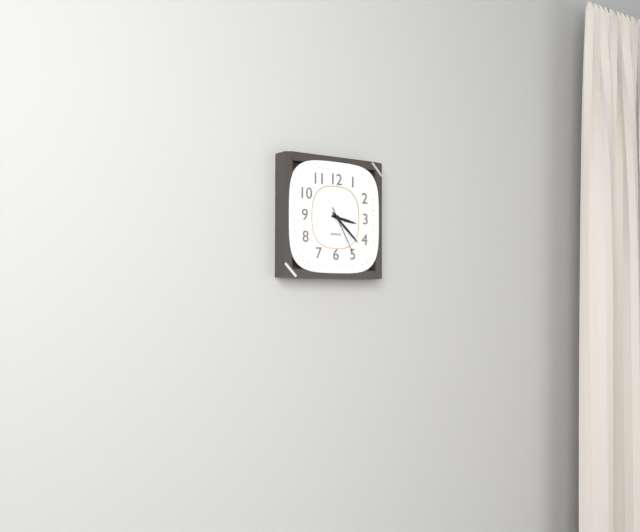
3h22
